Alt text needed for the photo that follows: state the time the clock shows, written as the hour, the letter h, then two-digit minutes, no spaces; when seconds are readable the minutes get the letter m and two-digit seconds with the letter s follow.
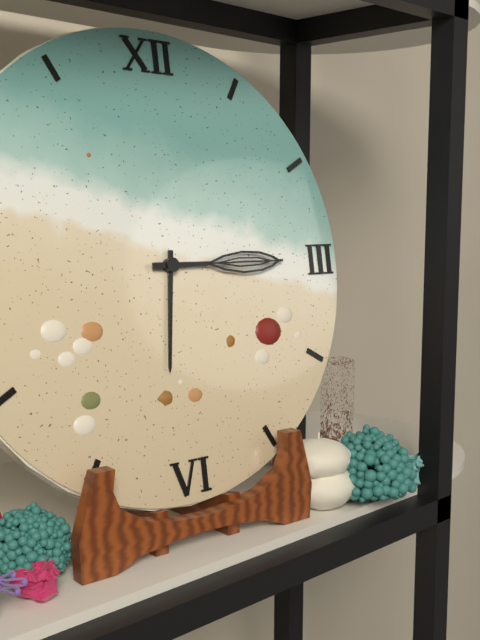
6h15
